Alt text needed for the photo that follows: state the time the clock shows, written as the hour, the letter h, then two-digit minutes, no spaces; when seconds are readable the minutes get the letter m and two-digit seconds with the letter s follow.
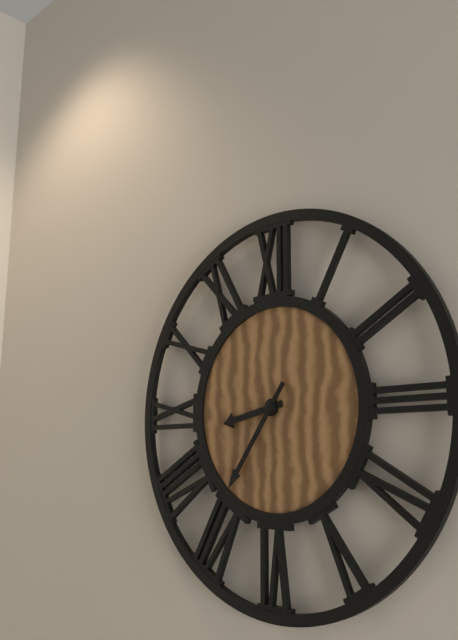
8h36
